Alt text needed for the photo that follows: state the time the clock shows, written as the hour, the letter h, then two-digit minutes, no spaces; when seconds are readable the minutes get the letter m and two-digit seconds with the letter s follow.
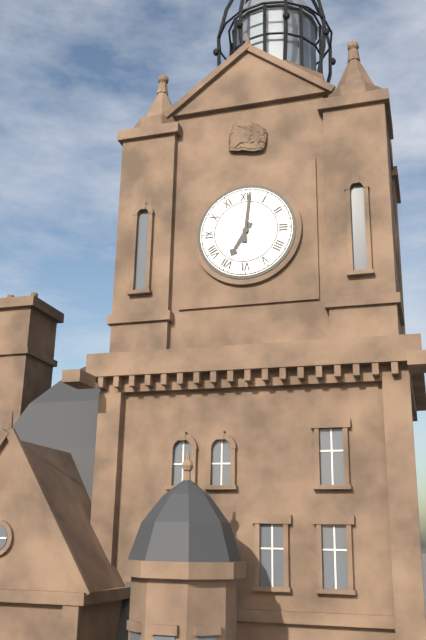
7h01
